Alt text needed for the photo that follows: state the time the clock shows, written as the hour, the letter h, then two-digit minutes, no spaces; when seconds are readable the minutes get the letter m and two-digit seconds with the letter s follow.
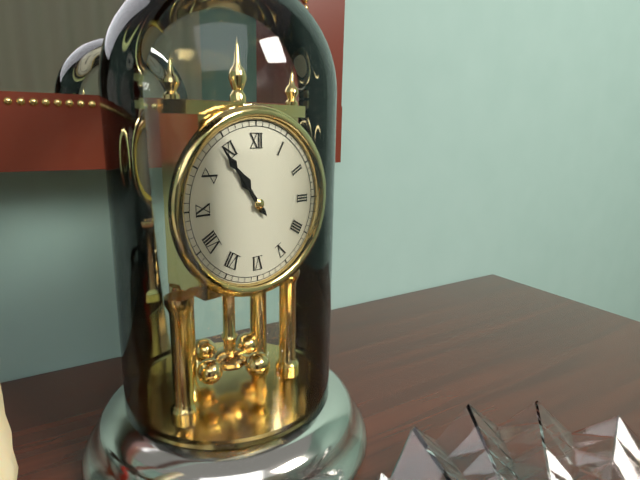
10h54
